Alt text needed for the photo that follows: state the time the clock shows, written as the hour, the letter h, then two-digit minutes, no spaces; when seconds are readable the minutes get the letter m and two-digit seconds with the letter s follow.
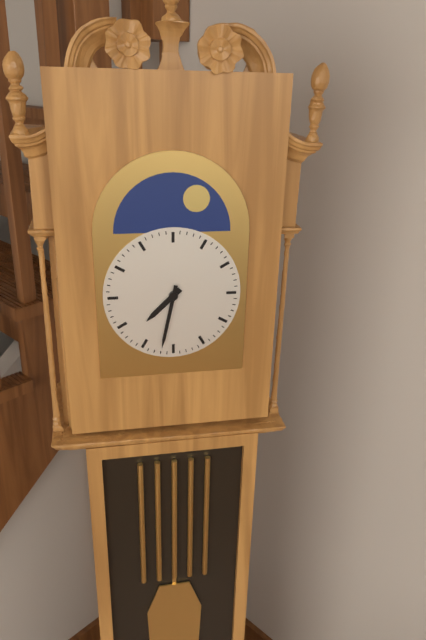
7h32
